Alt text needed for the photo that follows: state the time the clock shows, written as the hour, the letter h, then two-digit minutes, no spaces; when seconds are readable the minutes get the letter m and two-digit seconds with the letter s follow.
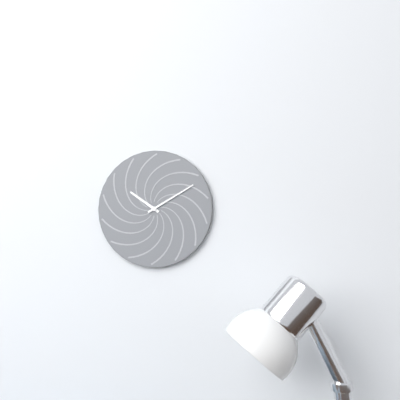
10h10
